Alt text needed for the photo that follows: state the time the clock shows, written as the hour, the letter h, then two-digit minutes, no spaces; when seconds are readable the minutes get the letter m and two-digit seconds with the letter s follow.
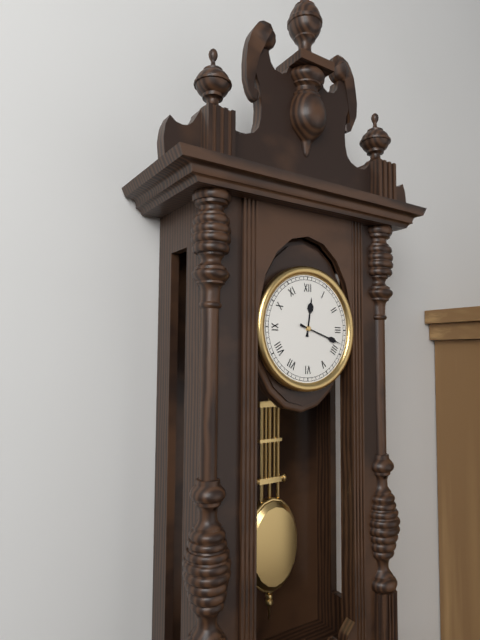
12h18
